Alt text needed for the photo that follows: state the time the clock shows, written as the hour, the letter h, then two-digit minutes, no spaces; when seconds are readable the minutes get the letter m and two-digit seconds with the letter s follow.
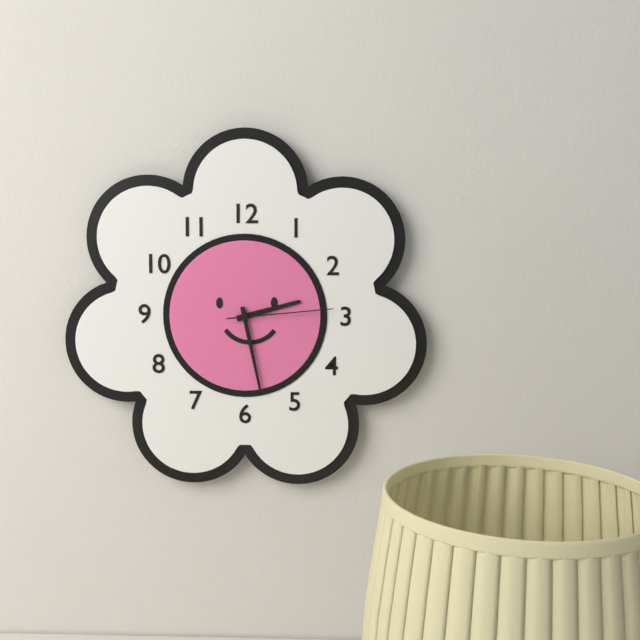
2h28m14s
